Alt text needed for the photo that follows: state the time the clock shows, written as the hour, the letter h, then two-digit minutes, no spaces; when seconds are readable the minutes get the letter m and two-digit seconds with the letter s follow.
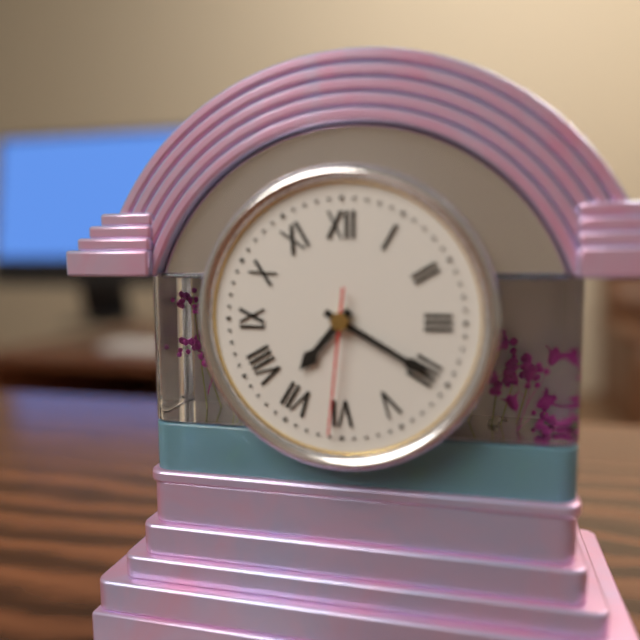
7h20m31s
